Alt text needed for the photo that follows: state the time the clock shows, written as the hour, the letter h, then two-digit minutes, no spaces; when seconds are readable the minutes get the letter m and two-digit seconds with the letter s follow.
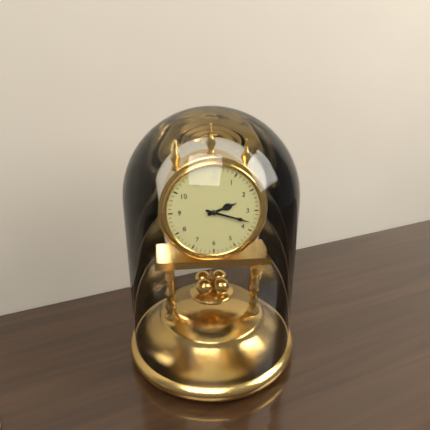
2h18
